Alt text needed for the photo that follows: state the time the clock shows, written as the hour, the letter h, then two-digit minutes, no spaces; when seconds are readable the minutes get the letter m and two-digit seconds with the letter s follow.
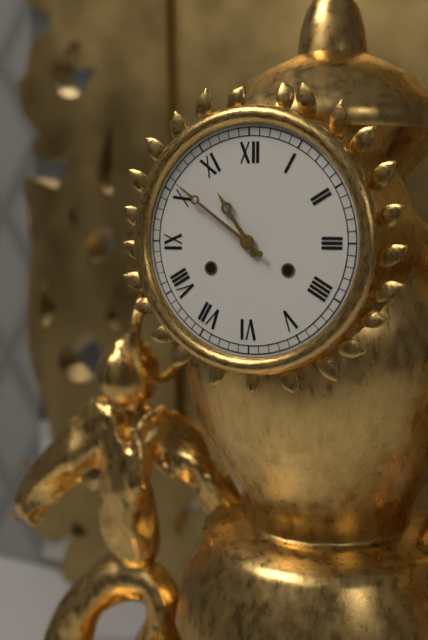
10h51
